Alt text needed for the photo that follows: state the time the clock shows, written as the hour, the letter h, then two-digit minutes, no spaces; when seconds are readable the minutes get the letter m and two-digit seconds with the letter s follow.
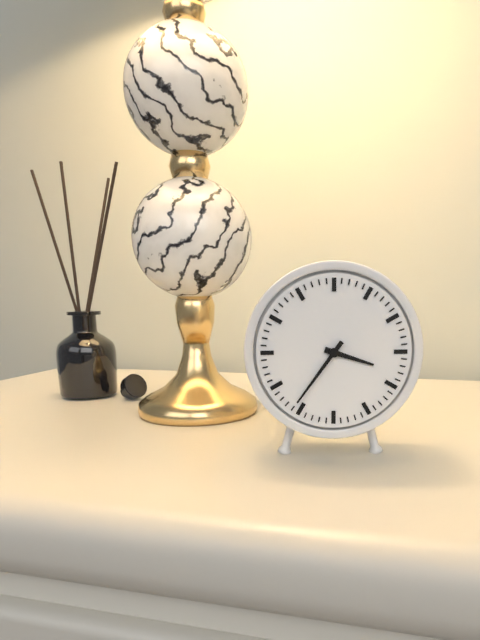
3h36
